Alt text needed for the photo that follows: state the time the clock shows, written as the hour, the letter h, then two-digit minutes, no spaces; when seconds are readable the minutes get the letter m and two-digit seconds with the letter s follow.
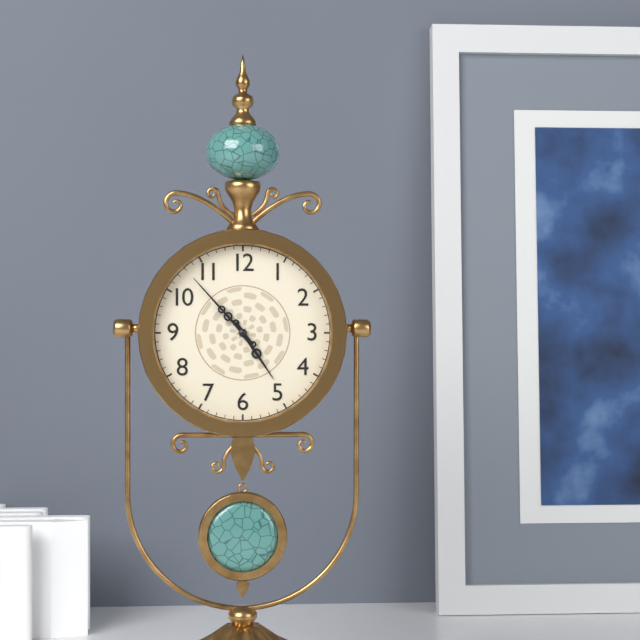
4h53
